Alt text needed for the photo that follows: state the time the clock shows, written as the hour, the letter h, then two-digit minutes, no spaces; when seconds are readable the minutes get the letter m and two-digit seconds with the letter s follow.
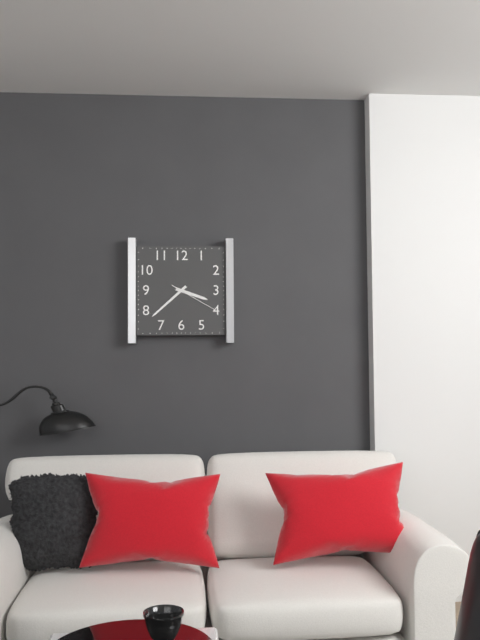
3h38
